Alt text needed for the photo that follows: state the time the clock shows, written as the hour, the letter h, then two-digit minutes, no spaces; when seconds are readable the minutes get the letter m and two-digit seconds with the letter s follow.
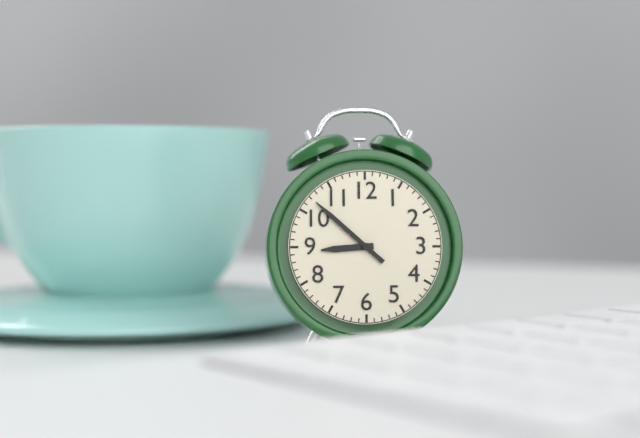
8h52
